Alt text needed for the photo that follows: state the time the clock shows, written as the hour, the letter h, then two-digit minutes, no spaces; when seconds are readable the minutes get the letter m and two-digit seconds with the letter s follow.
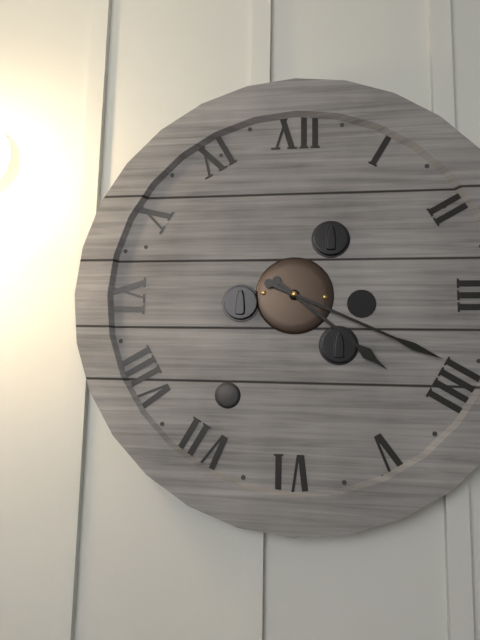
4h19
